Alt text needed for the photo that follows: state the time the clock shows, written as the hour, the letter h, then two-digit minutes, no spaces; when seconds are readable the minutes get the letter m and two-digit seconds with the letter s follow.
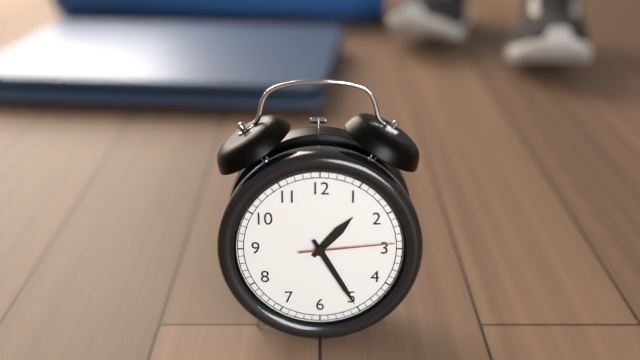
1h25m14s
